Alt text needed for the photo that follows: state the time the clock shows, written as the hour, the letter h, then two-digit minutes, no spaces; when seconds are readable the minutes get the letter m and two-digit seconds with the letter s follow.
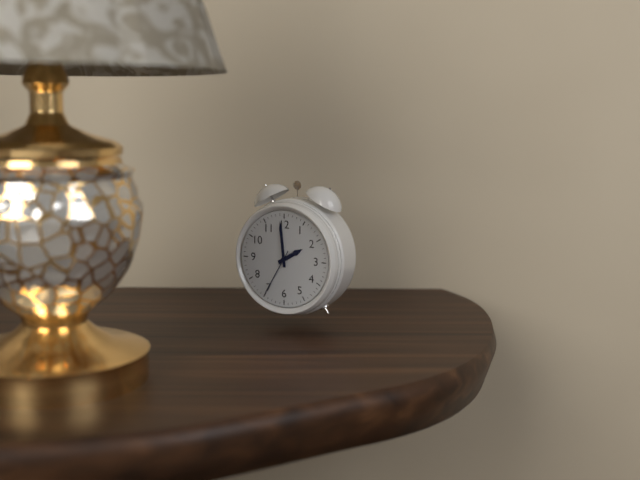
1h59
